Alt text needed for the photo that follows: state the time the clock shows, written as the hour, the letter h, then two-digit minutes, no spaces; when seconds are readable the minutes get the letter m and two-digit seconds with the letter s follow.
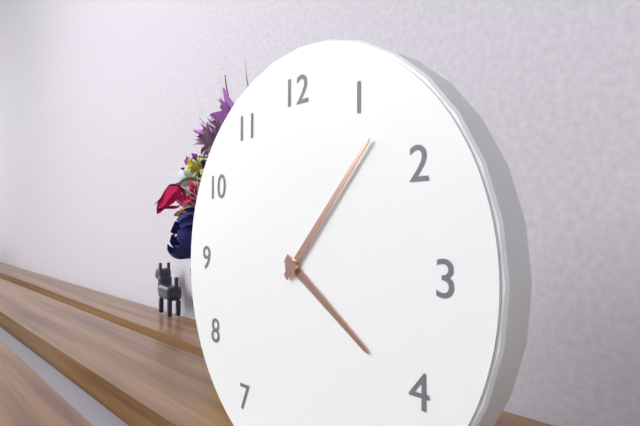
4h07
